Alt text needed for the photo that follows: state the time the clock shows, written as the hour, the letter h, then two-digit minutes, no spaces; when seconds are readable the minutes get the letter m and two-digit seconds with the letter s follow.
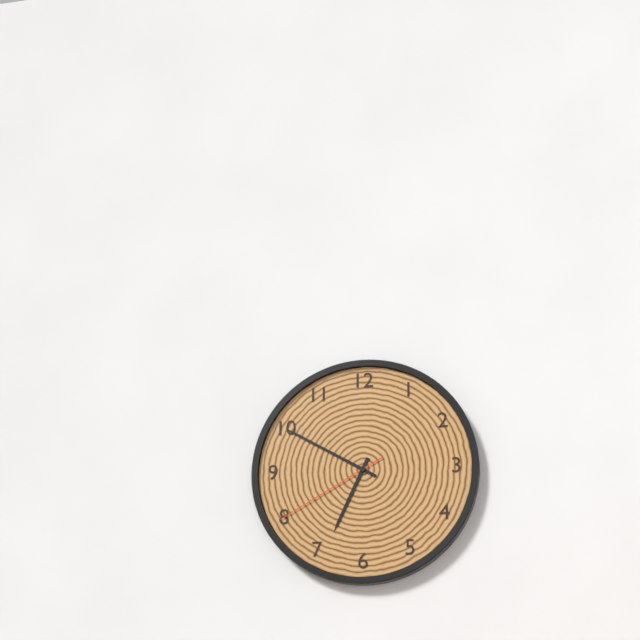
6h50m40s
